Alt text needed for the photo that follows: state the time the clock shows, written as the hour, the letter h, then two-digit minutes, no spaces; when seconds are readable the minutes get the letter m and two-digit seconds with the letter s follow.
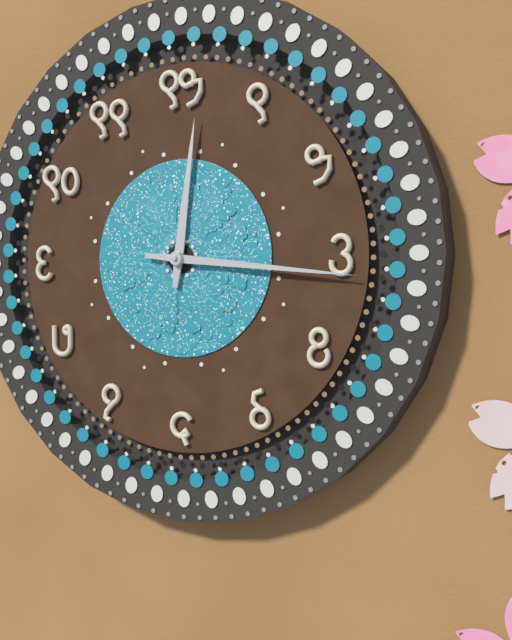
12h16
